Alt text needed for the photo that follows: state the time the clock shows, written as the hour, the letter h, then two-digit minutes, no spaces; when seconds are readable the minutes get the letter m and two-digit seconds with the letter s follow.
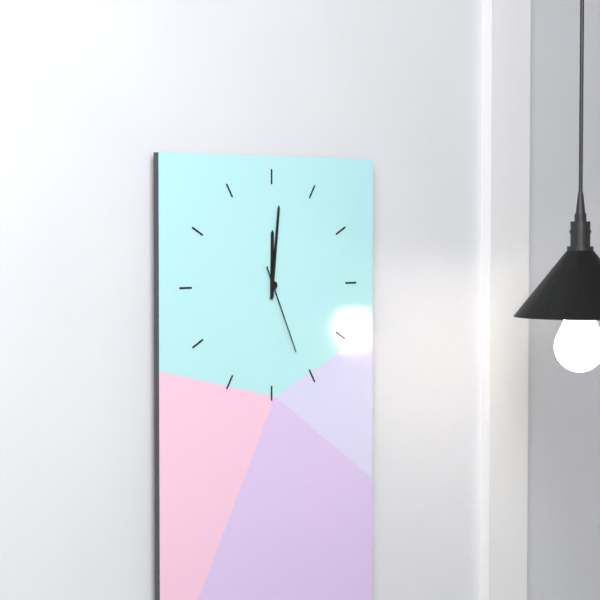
12h01m26s
